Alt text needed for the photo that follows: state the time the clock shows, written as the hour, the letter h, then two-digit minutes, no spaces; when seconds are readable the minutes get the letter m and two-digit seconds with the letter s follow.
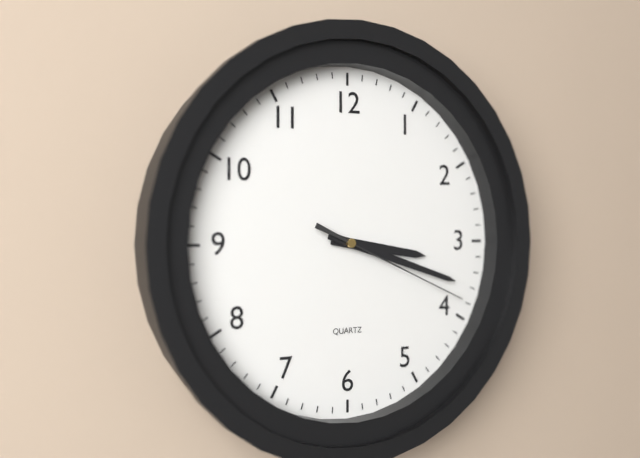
3h18m19s
